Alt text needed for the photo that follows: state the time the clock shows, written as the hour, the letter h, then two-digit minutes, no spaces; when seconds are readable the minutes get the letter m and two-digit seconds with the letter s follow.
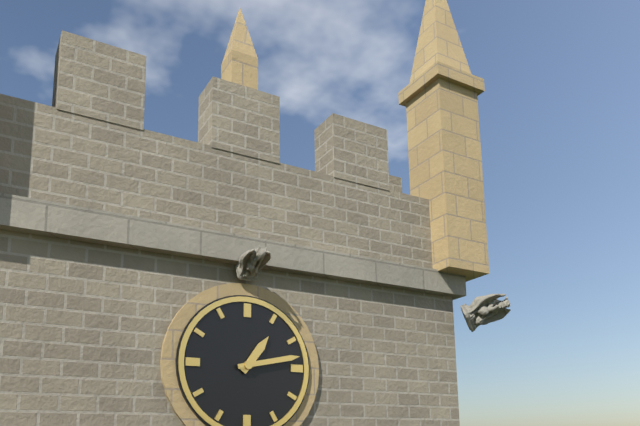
1h13
